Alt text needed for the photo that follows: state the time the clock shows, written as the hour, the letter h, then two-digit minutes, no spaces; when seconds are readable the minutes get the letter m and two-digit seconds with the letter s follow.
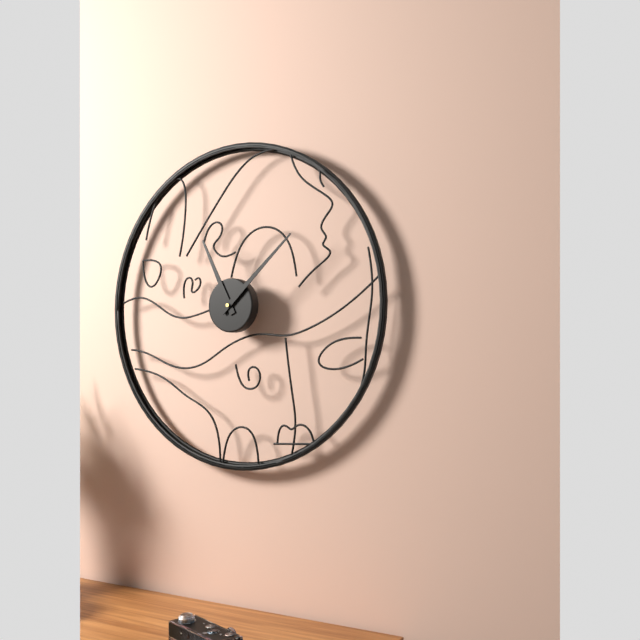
11h08
